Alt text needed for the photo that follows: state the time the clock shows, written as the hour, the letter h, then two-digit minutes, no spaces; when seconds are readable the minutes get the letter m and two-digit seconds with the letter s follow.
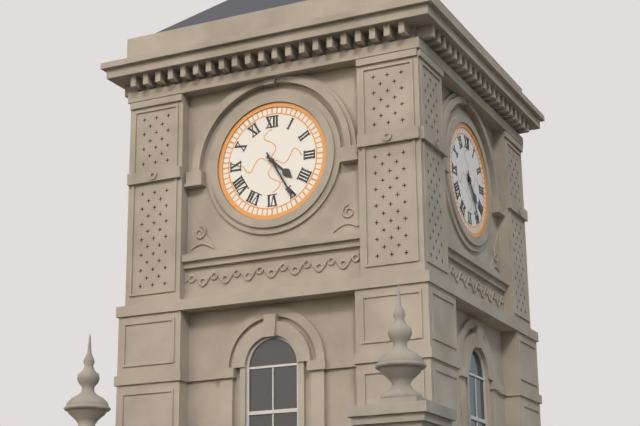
4h25
